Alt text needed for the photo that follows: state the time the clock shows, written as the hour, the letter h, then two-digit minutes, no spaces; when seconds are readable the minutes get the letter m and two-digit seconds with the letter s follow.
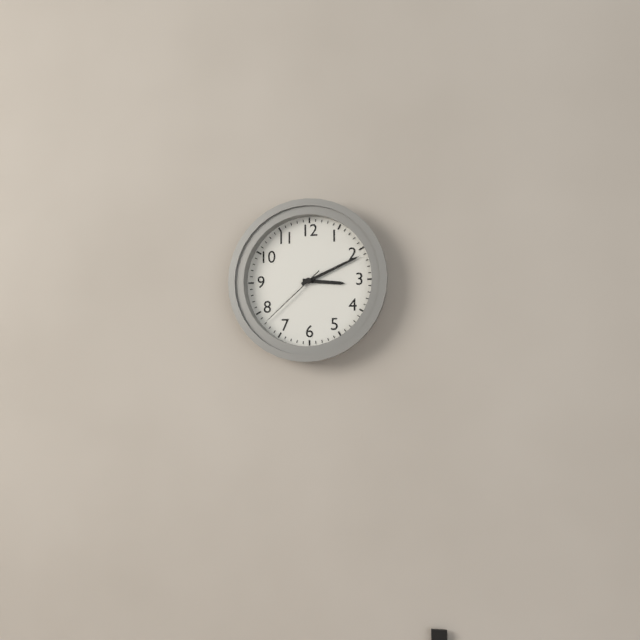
3h11m38s
